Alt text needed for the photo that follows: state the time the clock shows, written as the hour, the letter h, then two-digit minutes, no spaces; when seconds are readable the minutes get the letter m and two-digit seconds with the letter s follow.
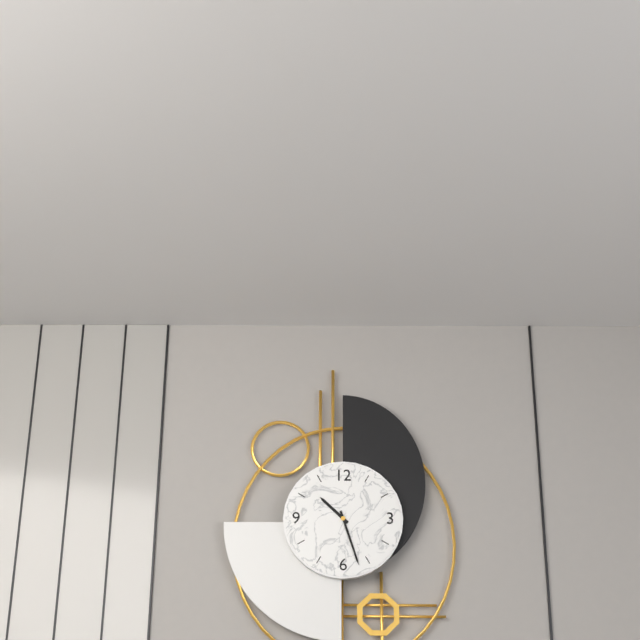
10h27
